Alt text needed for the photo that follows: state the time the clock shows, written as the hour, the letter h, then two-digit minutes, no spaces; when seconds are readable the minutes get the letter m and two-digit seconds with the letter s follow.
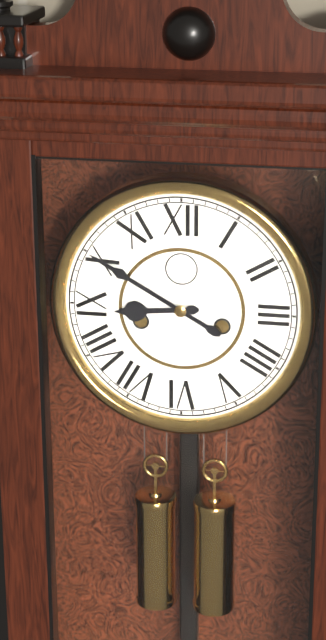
8h50
